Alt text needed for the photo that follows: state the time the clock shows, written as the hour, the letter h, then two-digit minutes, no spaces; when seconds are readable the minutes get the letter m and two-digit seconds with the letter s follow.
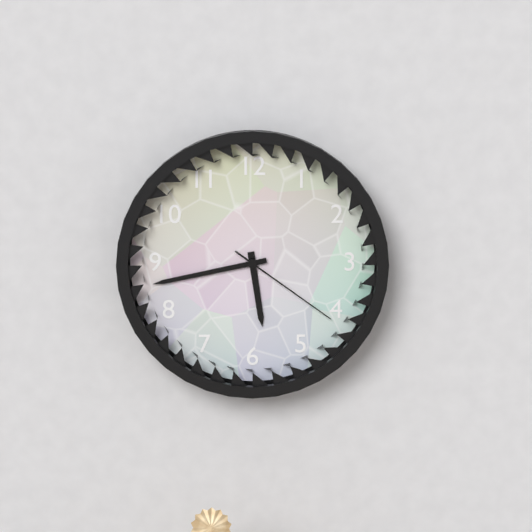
5h43m21s
